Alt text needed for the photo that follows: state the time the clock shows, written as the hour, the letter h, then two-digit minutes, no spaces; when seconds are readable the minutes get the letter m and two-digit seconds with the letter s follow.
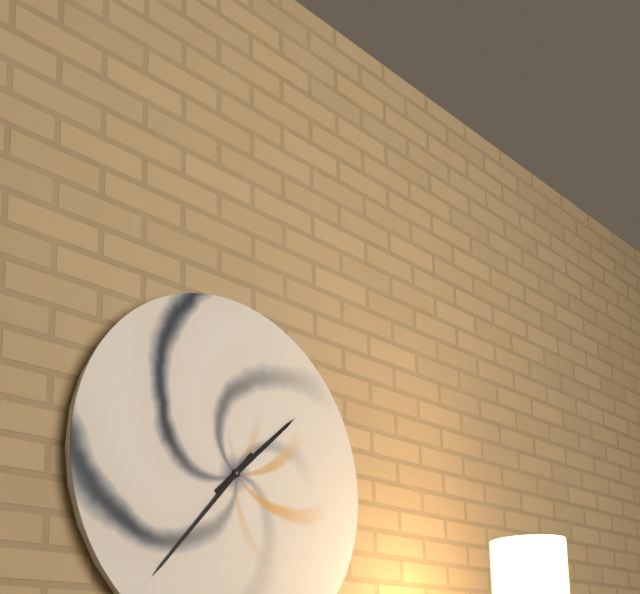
1h37
